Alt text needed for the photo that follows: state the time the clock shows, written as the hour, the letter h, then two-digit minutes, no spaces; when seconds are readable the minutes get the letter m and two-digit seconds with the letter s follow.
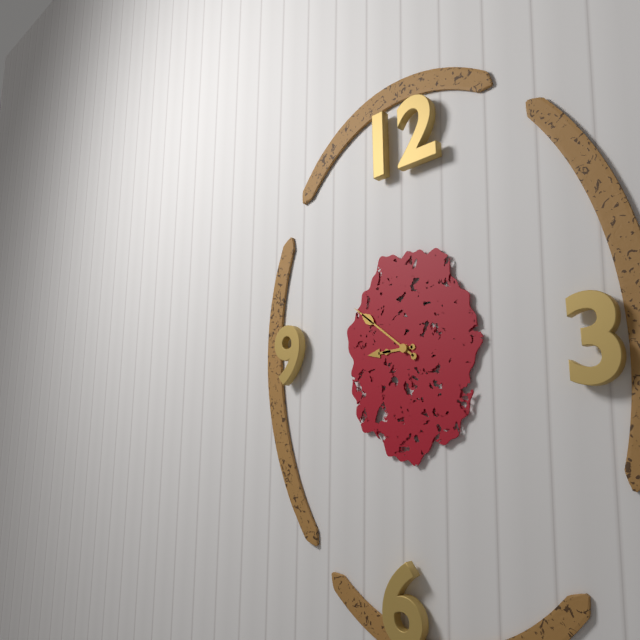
8h51
